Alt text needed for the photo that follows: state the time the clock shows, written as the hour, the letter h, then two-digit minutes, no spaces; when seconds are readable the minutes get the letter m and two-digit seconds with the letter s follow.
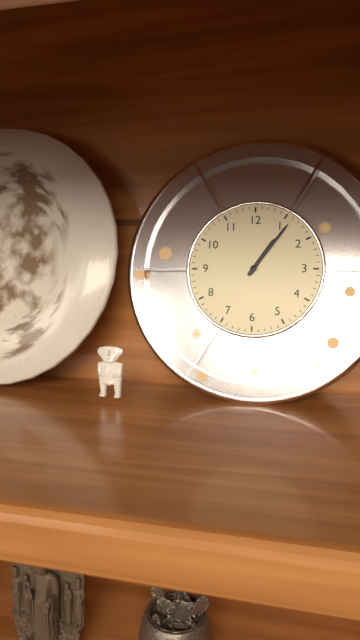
1h06
